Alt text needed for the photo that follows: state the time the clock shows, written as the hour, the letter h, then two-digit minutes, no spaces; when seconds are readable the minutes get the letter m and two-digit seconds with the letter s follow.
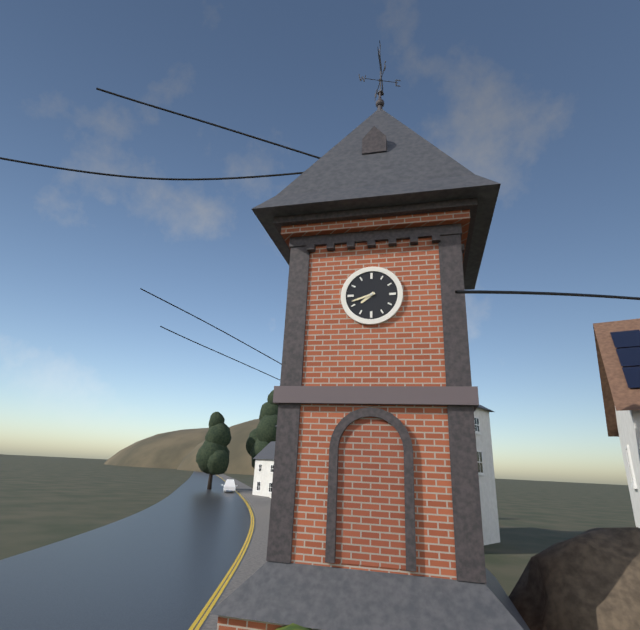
7h42
